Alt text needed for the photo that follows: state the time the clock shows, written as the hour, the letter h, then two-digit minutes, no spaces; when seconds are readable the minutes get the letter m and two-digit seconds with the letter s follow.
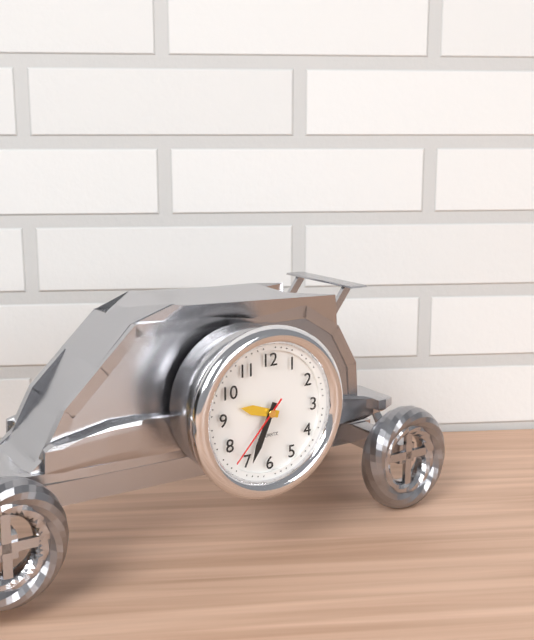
9h34m37s
